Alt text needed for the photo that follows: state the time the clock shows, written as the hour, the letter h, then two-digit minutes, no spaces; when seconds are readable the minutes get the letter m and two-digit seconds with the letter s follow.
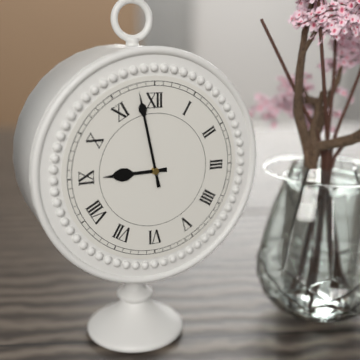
8h58
